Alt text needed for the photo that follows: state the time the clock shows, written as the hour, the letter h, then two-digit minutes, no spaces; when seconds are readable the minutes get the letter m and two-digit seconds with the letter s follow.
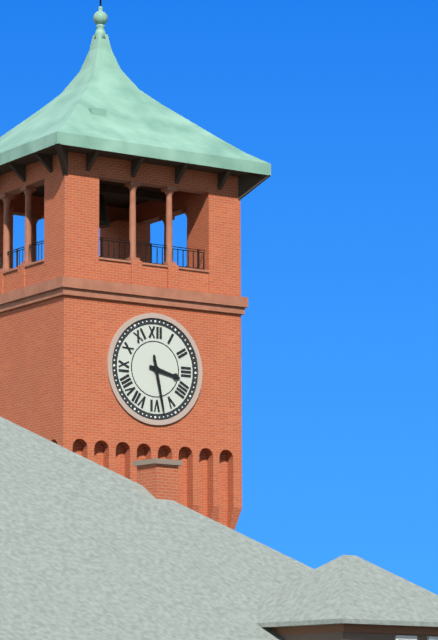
3h28
